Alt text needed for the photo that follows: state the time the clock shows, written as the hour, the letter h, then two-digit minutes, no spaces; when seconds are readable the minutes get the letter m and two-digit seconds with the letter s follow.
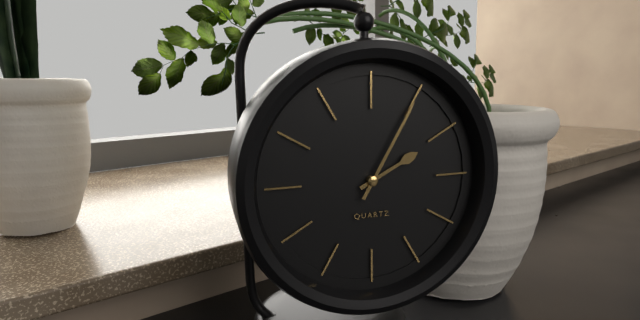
2h05
